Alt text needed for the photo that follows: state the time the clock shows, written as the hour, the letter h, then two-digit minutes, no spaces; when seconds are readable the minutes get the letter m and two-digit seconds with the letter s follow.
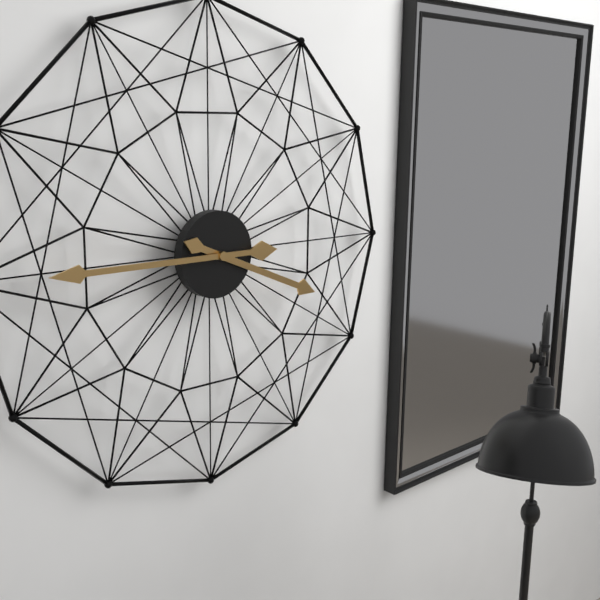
3h45
